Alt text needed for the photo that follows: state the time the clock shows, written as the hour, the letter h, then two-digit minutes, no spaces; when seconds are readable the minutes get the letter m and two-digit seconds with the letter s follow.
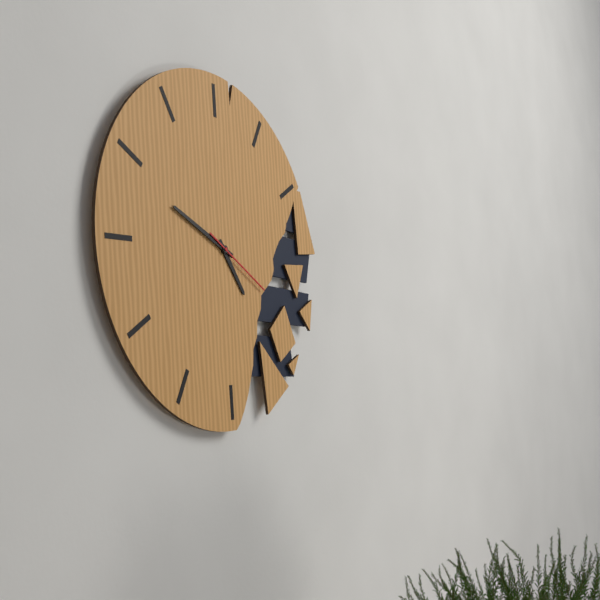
4h49m20s
